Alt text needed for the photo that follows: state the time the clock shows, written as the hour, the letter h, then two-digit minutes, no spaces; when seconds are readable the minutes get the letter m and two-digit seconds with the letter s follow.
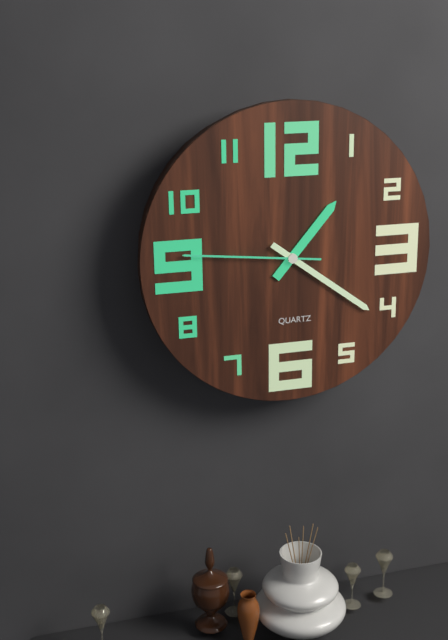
1h21m46s
